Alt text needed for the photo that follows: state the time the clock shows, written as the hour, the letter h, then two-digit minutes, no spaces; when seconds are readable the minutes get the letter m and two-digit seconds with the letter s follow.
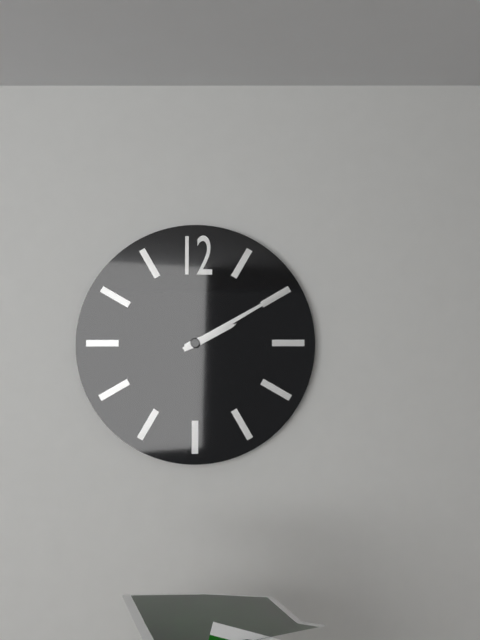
2h10
